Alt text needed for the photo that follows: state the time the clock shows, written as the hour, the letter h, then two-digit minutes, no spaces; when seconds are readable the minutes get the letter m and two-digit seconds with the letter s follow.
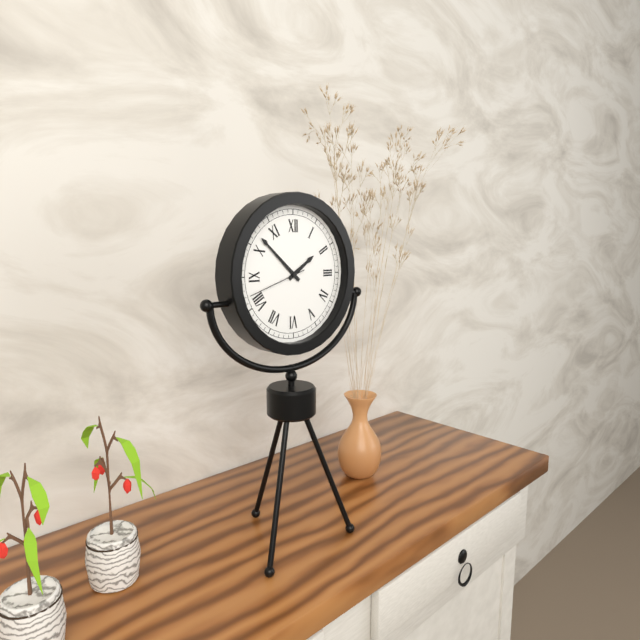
1h52m42s
